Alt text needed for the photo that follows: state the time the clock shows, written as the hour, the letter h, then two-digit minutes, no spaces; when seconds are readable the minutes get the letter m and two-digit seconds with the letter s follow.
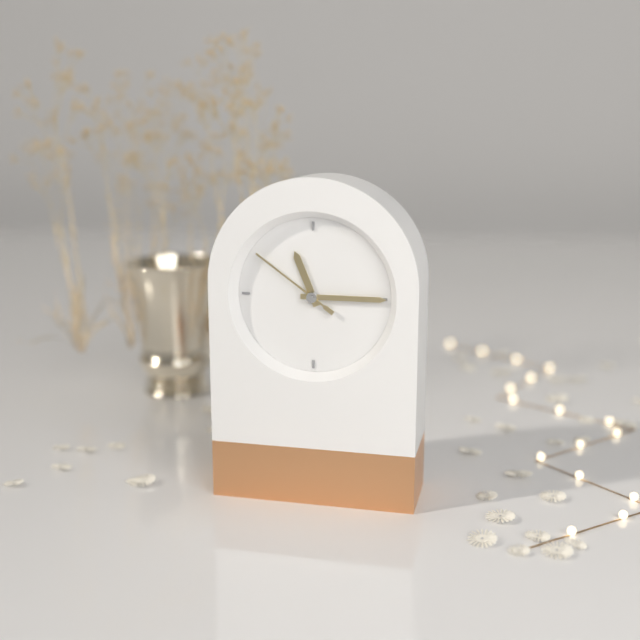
11h15m51s
